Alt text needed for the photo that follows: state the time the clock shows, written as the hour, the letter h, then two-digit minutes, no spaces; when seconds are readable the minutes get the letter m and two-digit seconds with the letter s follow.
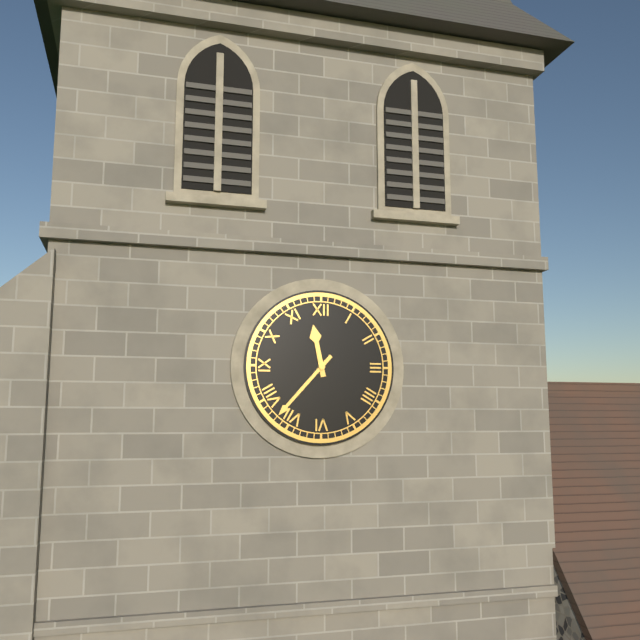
11h37
